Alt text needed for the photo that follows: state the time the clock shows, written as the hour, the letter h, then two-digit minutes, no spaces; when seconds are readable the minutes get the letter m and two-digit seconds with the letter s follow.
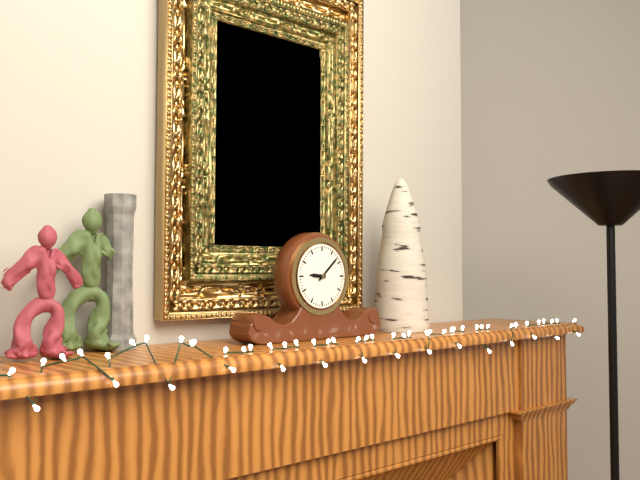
9h08
